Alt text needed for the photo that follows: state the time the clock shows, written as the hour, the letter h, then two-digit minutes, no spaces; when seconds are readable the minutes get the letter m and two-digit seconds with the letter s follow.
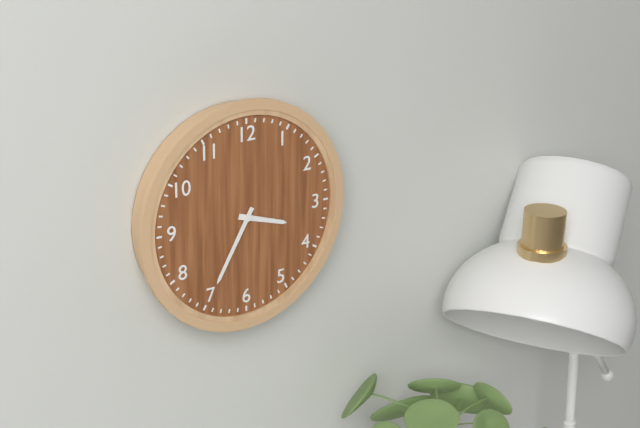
3h35
